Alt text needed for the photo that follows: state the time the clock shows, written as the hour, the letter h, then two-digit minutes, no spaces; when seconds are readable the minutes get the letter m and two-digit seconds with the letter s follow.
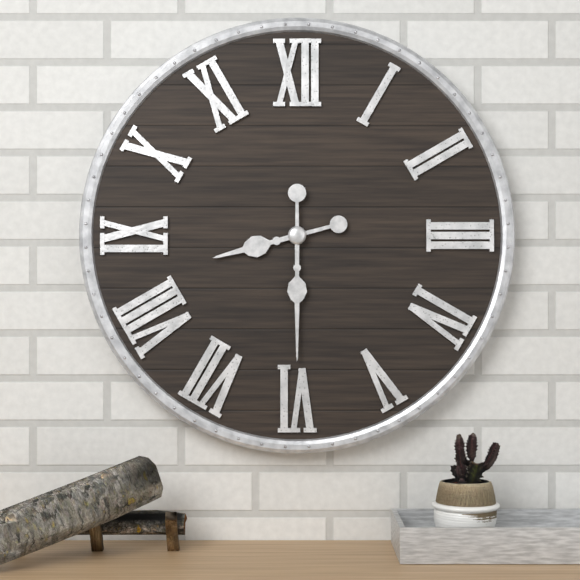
8h30
